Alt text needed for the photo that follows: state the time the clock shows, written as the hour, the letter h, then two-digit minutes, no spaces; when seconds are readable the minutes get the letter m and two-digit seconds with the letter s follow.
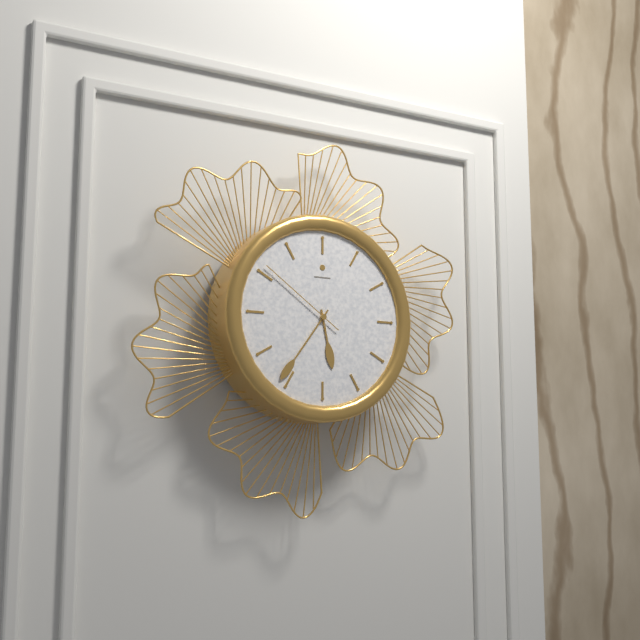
5h36m51s
